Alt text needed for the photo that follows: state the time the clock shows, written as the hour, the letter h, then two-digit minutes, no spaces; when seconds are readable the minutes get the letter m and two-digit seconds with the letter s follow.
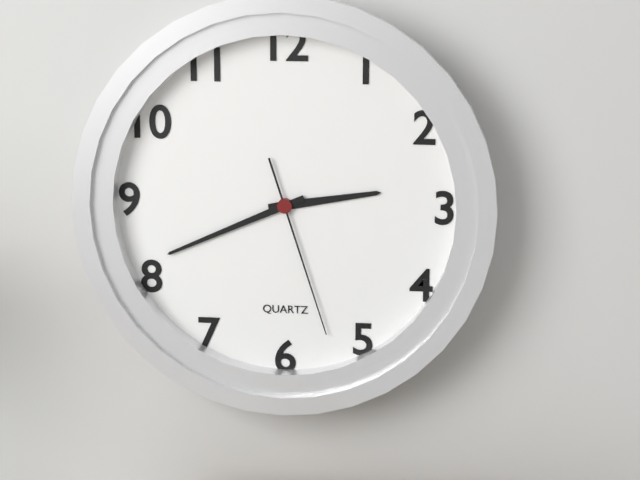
2h41m27s
